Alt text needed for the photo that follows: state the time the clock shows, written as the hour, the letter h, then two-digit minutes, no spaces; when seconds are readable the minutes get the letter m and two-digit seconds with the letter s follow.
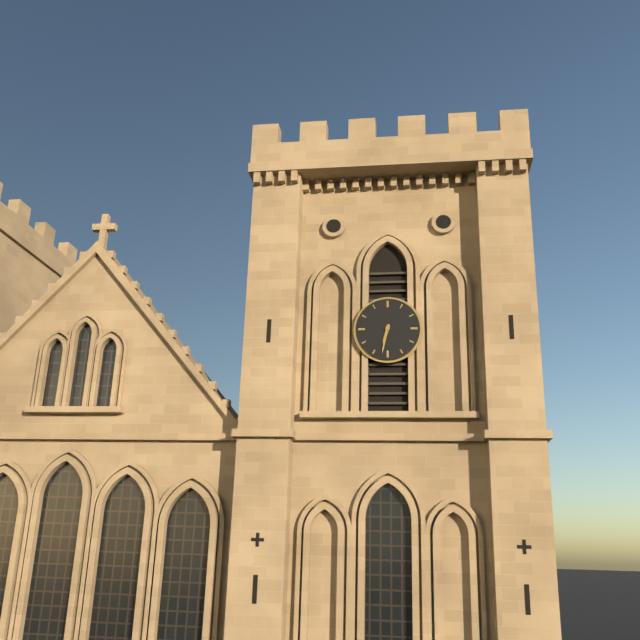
6h32
